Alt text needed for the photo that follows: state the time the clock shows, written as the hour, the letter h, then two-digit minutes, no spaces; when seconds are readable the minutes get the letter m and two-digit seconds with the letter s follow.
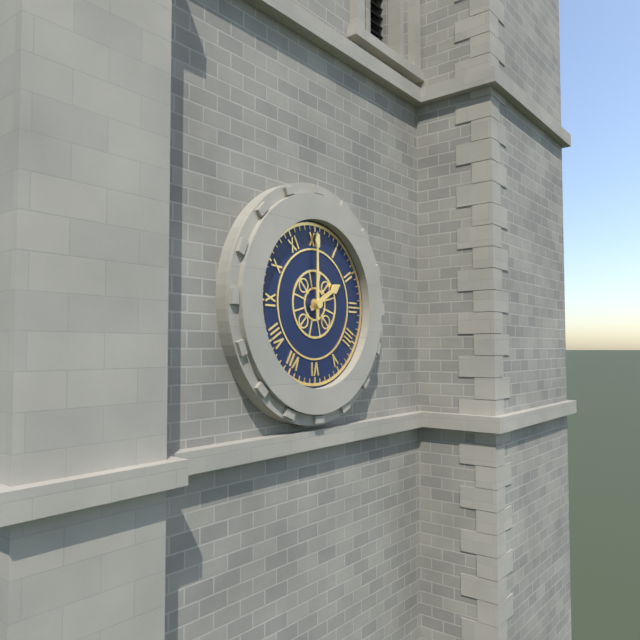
2h00
